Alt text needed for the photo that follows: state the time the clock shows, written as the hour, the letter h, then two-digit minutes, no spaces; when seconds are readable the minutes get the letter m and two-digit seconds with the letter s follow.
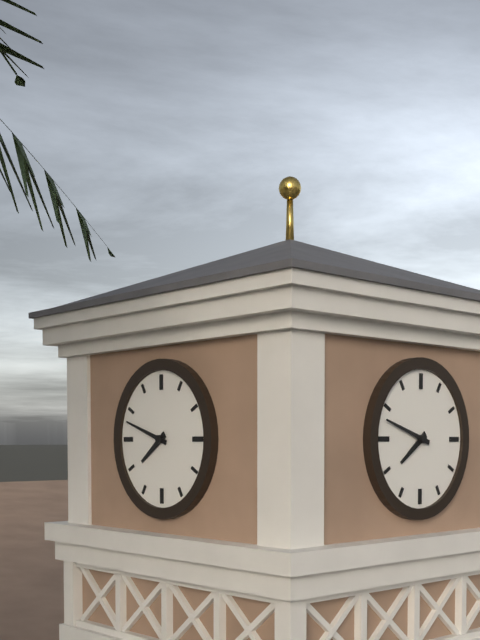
7h48
